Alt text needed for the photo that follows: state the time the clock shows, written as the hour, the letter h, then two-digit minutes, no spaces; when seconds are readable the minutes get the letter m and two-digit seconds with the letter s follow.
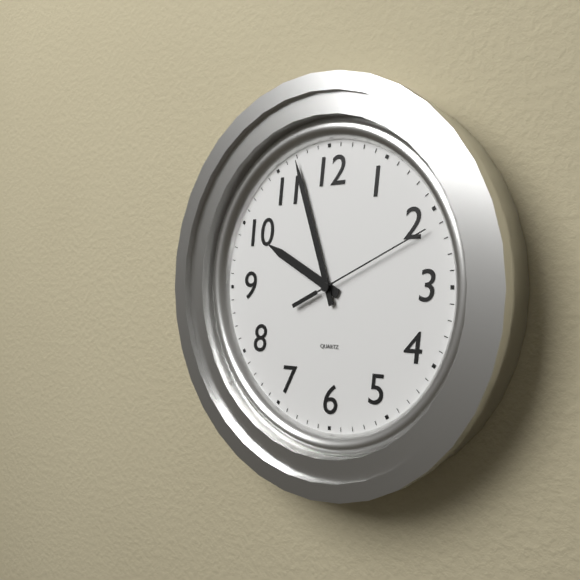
9h57m11s
